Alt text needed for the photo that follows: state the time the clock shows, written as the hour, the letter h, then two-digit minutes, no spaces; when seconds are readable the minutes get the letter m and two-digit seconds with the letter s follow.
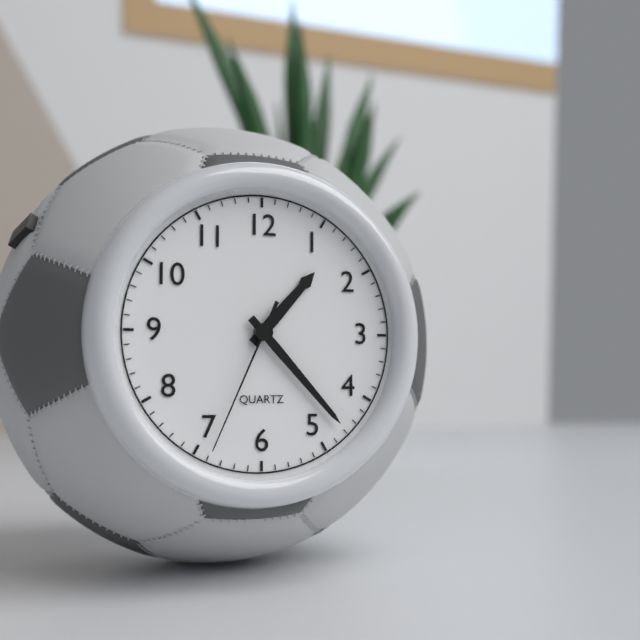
1h23m34s
